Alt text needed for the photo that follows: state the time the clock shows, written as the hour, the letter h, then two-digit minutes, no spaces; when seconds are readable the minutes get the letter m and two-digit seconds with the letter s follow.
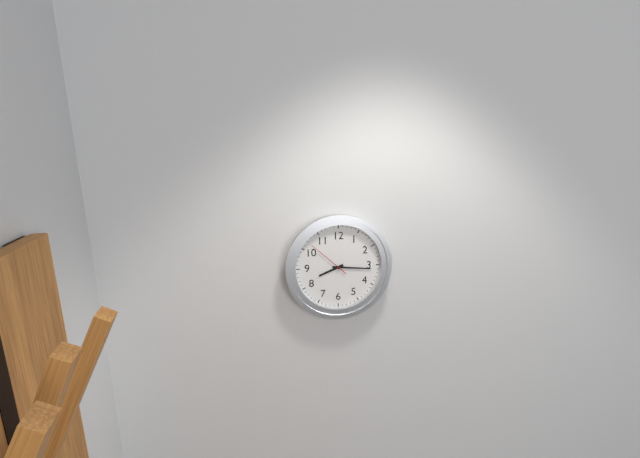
8h16
